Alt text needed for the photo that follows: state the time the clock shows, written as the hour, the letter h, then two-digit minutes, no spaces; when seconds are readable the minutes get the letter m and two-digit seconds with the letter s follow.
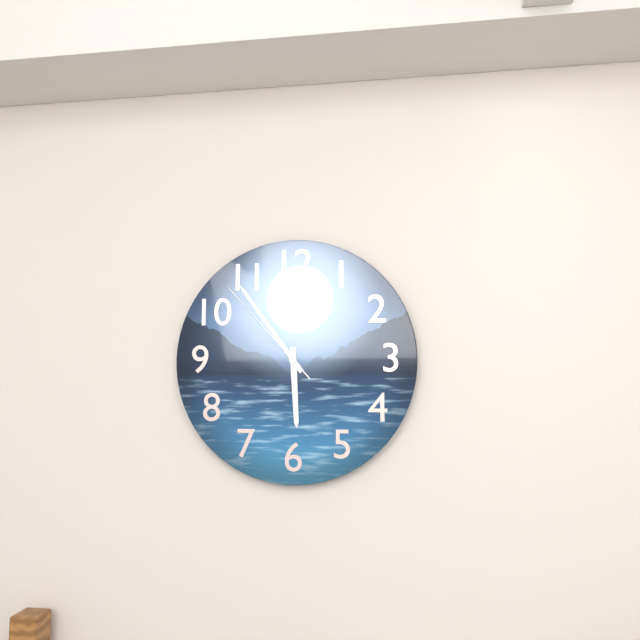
5h54m53s
